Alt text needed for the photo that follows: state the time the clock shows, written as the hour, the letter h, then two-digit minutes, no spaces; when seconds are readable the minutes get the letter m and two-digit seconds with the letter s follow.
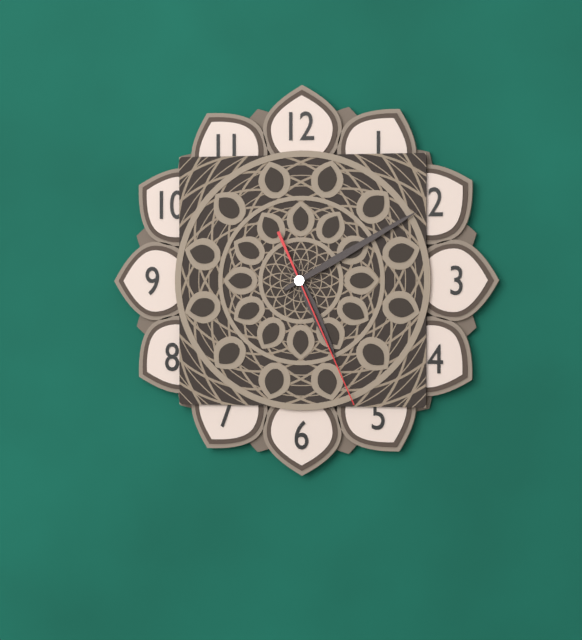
5h10m26s
